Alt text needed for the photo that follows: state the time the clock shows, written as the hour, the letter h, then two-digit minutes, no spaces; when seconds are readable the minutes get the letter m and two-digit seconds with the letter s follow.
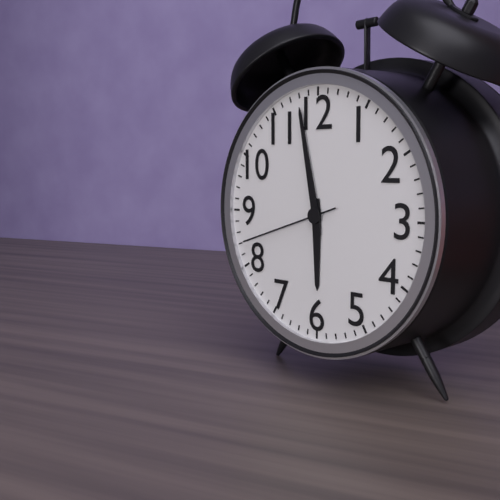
5h58m42s
